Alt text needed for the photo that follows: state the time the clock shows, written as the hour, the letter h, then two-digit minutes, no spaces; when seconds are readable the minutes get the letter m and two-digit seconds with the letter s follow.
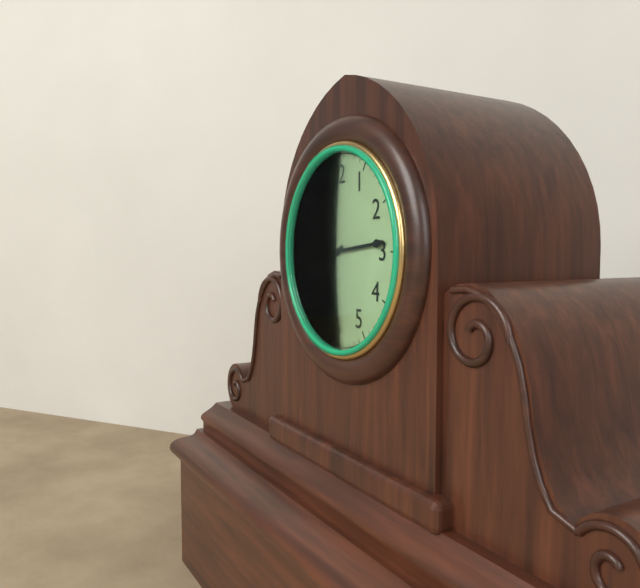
8h14
